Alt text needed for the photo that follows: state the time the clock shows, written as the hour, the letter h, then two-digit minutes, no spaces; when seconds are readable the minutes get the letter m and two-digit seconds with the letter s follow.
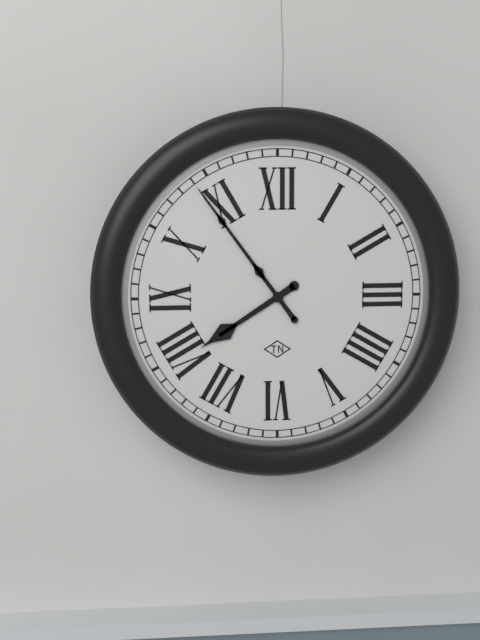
7h54
